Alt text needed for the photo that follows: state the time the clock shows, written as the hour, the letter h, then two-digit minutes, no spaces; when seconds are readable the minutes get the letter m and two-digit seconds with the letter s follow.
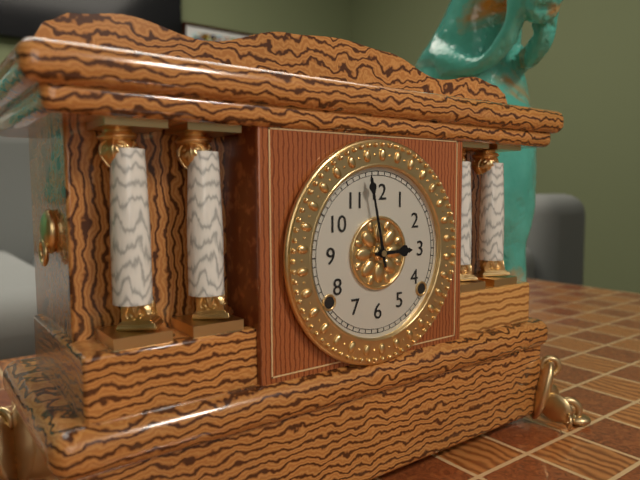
2h58
